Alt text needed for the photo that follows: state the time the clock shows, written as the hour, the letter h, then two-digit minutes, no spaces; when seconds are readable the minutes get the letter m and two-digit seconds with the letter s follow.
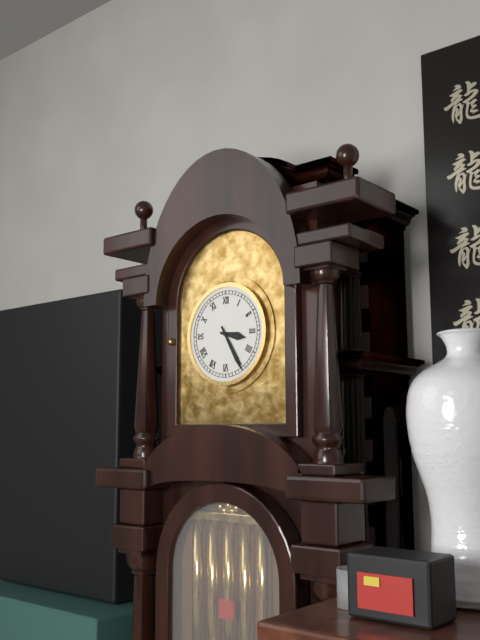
3h25
